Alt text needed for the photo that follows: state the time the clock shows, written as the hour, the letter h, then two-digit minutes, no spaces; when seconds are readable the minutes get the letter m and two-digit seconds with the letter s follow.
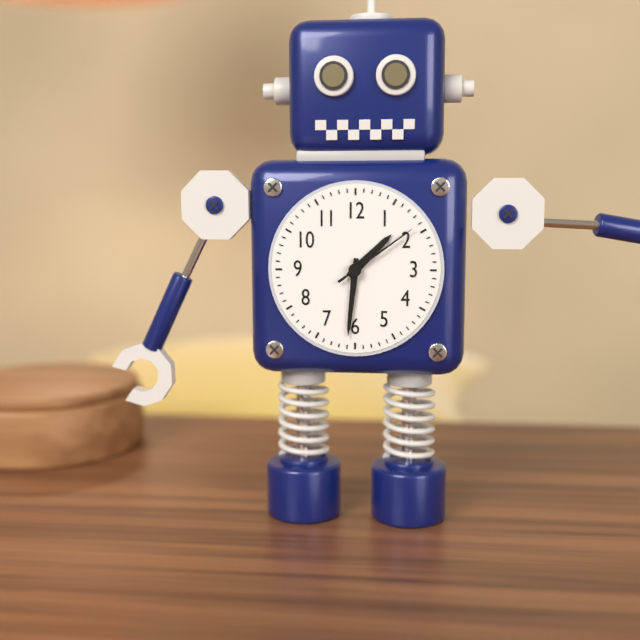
1h31m09s
